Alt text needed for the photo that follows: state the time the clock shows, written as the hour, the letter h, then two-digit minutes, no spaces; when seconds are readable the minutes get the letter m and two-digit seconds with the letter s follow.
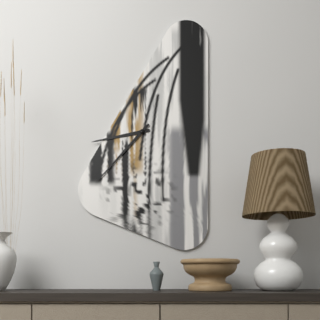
8h37
